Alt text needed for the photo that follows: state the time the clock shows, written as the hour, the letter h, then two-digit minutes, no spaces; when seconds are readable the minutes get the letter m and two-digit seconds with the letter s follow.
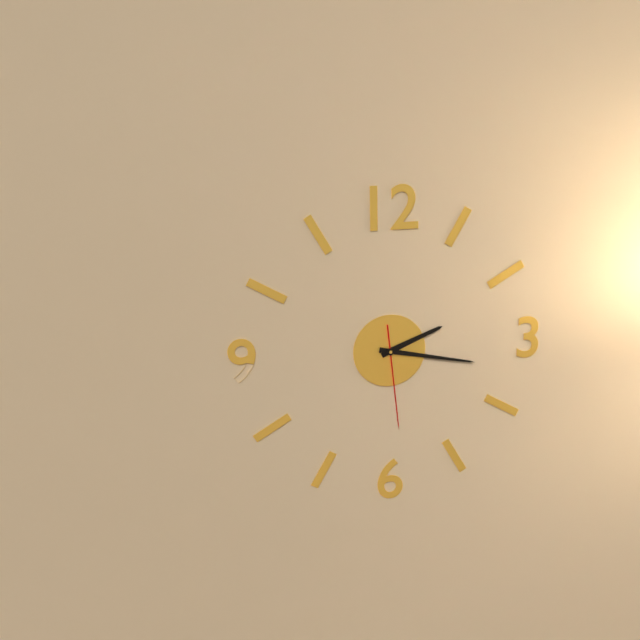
2h17m29s
